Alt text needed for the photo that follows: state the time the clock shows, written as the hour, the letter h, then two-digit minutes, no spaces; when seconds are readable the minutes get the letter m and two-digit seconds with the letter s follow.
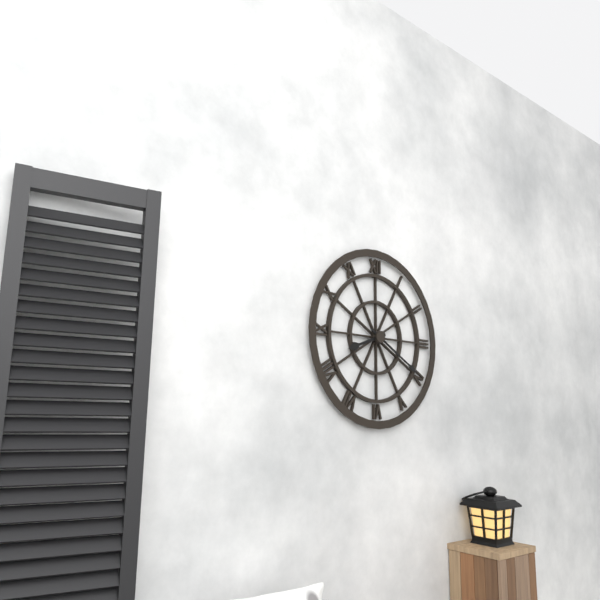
8h20
